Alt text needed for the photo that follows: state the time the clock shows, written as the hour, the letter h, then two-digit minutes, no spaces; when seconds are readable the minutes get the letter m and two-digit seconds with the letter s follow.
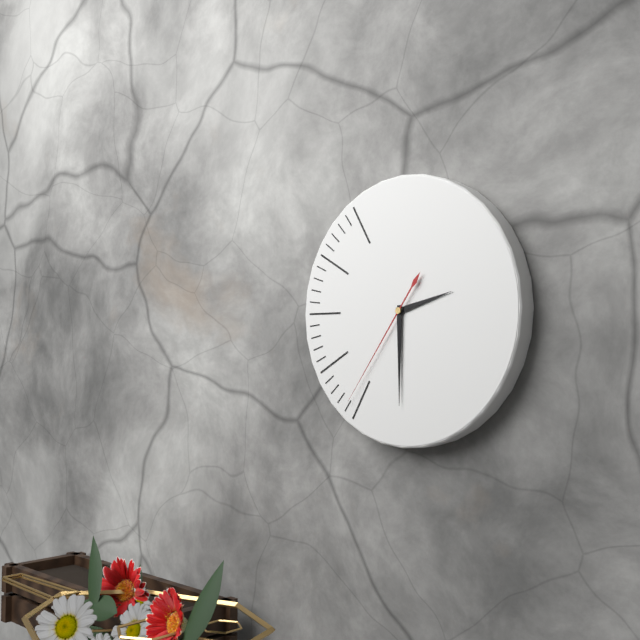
2h30m36s
